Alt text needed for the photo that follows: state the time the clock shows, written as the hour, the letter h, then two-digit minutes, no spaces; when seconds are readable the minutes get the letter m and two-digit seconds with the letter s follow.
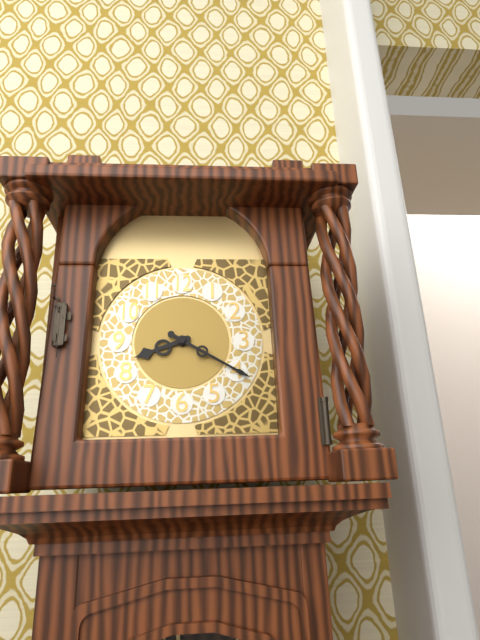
8h20
